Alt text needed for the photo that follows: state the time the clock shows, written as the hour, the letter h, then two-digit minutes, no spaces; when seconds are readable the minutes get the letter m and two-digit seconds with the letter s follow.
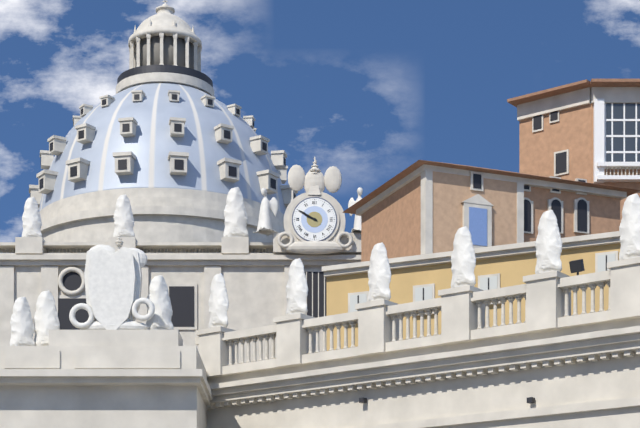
9h50
